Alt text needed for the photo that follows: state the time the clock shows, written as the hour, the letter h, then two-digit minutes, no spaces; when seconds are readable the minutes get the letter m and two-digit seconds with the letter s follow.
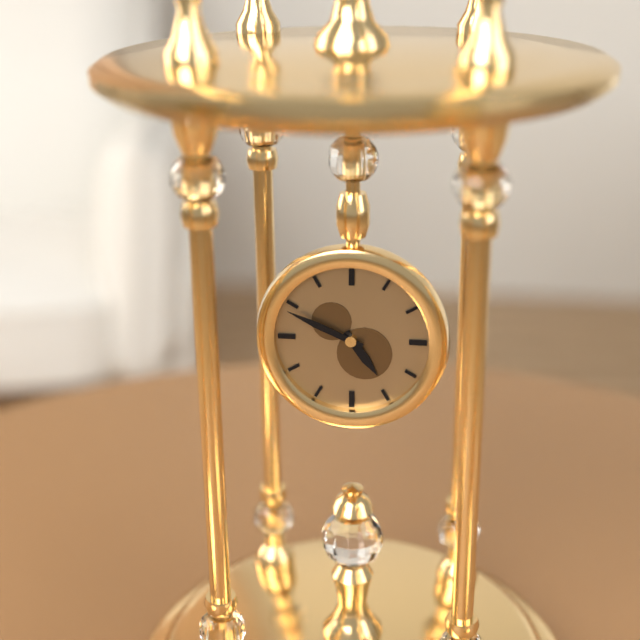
4h49
